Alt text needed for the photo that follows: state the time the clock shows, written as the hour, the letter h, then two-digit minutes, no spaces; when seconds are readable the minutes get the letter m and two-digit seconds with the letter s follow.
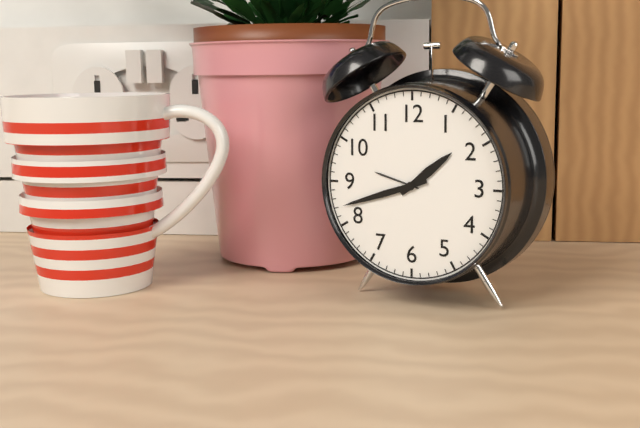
1h42
